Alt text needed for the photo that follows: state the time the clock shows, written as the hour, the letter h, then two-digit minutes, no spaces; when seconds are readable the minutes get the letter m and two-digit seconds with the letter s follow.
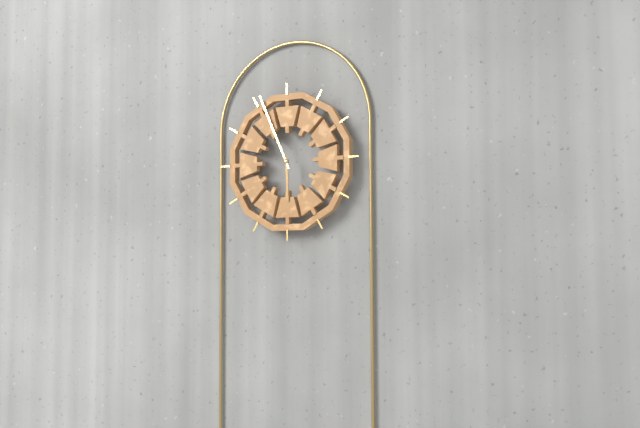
5h56
